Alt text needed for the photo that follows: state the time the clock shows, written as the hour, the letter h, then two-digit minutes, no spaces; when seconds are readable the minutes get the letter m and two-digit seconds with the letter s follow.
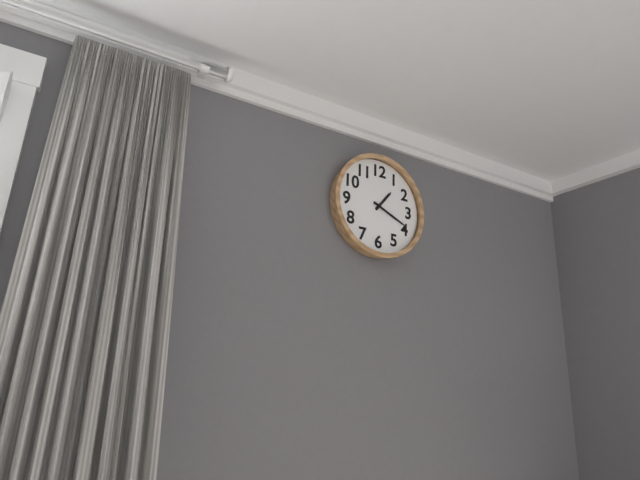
1h19
